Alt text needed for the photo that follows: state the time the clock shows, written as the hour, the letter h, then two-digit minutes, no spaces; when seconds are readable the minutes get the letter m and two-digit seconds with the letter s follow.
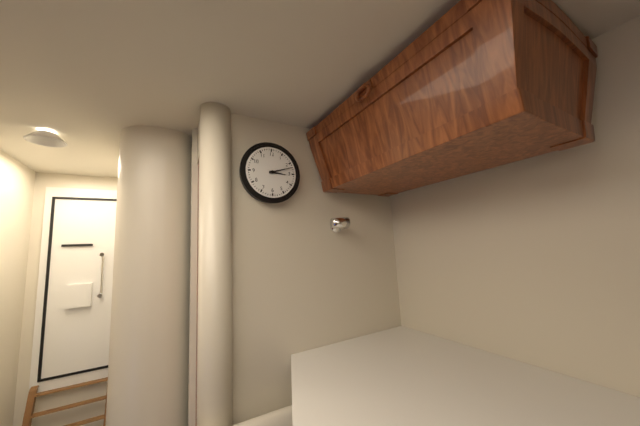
3h12
